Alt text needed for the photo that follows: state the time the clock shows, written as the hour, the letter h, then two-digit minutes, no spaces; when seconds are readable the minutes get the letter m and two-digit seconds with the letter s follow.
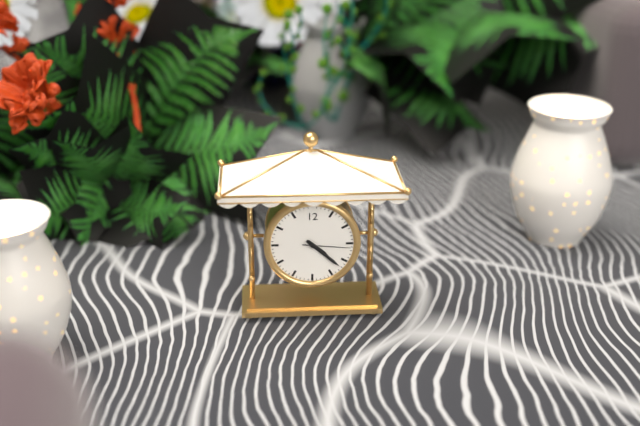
4h22
